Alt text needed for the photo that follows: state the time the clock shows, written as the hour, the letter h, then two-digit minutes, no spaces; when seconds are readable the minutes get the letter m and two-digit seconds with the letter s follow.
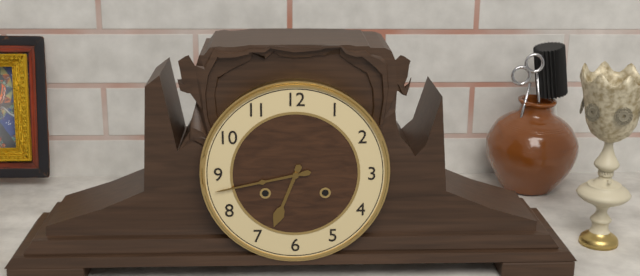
6h43
